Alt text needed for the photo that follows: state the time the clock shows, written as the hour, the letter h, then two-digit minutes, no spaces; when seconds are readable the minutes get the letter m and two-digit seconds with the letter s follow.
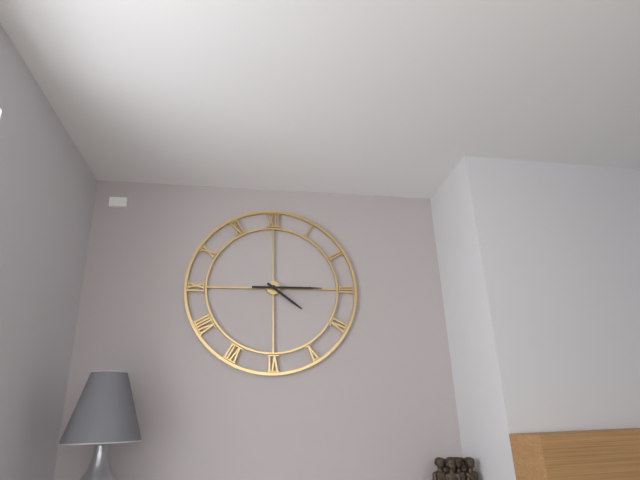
4h15
